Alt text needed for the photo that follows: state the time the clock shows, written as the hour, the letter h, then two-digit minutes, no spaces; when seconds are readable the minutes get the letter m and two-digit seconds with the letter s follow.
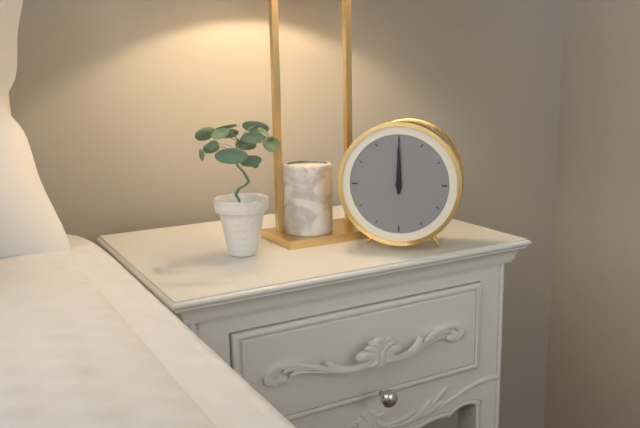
12h00
